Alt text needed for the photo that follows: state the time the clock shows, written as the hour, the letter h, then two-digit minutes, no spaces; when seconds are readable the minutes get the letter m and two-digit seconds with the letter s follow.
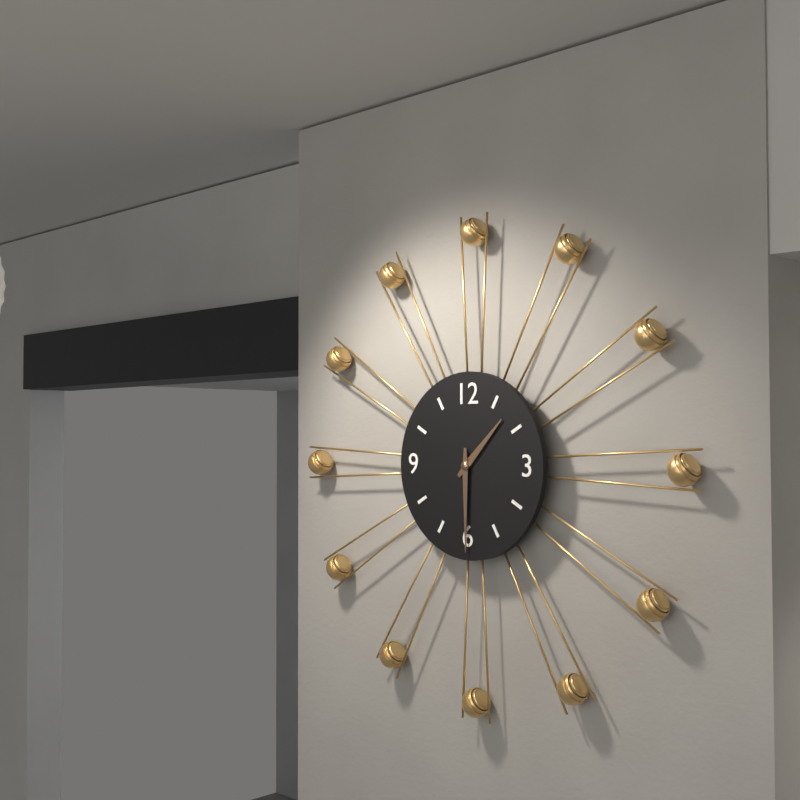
1h30
